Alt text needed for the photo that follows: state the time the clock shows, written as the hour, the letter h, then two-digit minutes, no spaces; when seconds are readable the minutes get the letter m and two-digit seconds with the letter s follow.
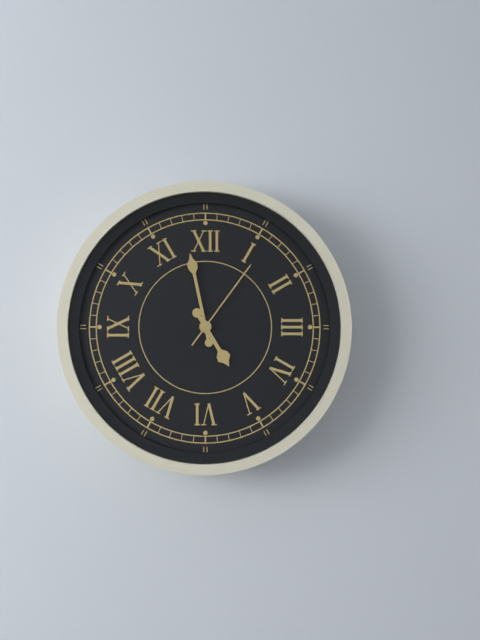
4h58m06s
